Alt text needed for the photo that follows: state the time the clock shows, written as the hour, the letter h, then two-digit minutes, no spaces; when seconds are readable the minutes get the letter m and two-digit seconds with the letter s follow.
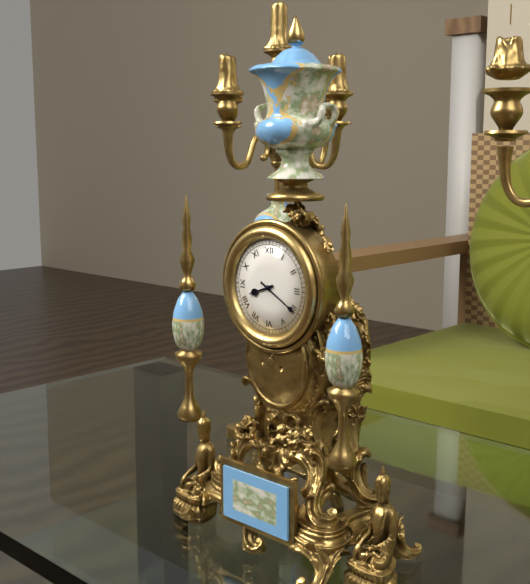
8h20
